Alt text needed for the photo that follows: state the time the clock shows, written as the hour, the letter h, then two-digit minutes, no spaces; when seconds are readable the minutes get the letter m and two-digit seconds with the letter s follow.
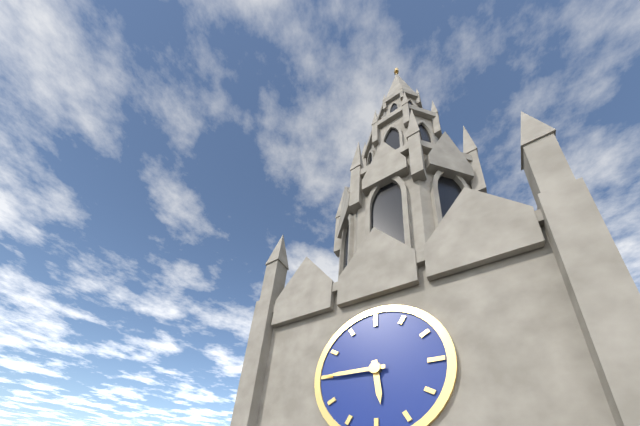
5h45
